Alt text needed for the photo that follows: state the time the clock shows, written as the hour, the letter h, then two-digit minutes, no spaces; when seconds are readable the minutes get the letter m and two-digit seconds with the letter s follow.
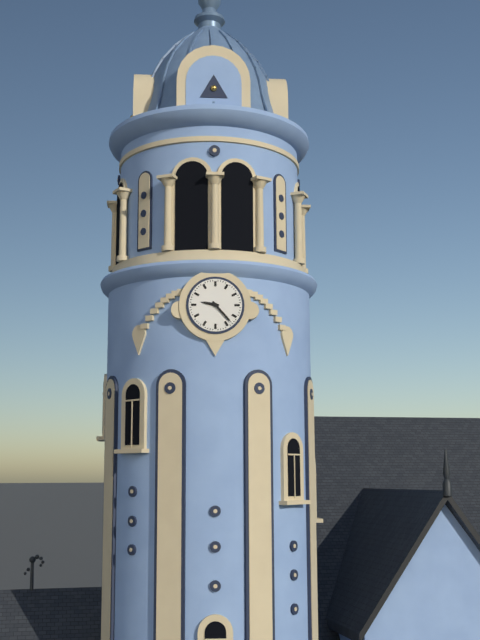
9h23
